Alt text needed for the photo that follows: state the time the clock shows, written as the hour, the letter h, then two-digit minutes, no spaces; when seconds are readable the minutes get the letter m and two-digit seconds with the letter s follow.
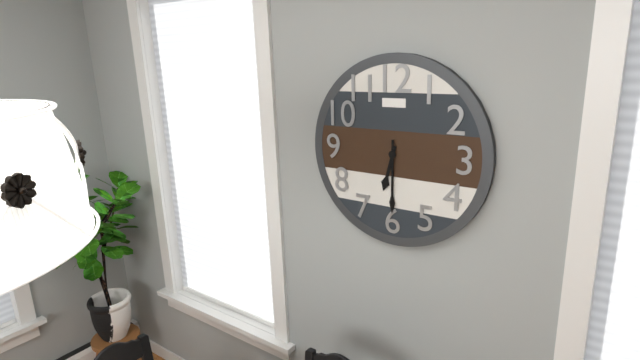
6h30
